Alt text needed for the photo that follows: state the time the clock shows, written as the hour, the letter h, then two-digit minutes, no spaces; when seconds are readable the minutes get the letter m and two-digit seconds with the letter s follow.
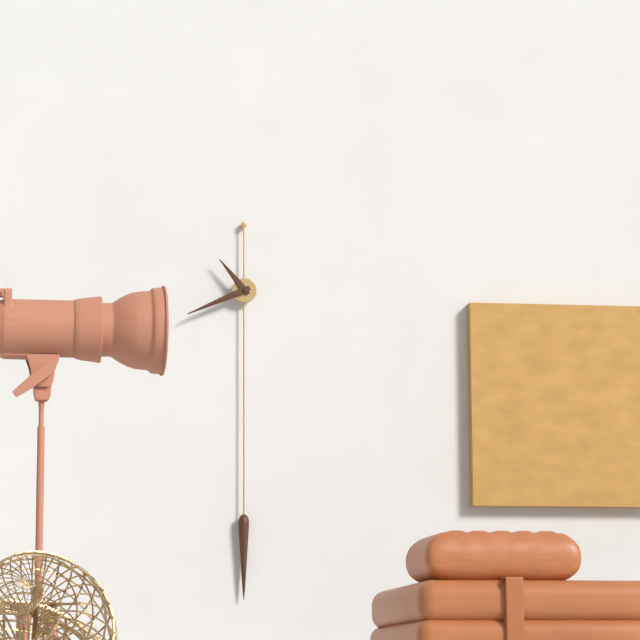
10h41
